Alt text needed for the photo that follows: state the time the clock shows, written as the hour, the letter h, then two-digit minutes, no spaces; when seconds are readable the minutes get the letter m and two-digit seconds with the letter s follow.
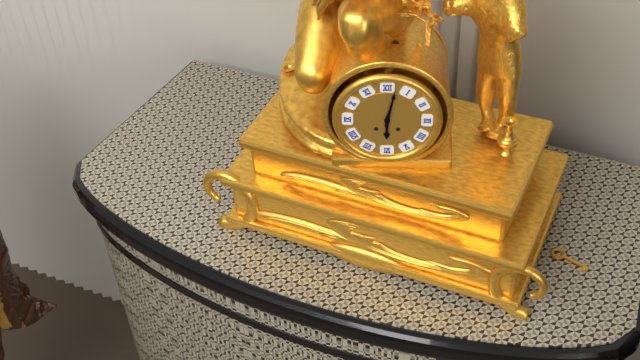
6h02
